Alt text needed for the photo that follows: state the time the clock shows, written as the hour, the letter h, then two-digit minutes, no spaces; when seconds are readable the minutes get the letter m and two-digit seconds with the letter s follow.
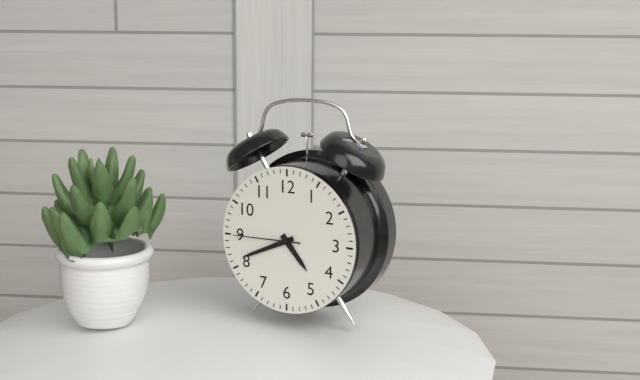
4h41m45s
